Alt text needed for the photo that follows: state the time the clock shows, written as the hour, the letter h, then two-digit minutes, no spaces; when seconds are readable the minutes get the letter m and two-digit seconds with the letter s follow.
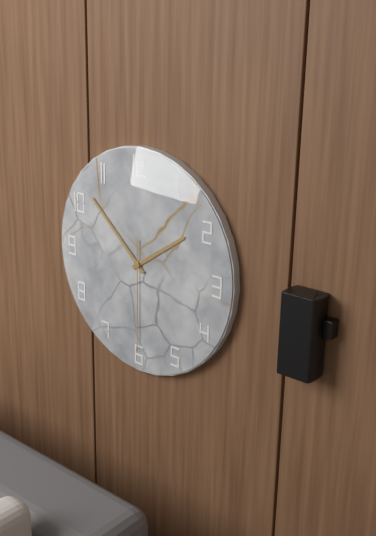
1h52m30s
